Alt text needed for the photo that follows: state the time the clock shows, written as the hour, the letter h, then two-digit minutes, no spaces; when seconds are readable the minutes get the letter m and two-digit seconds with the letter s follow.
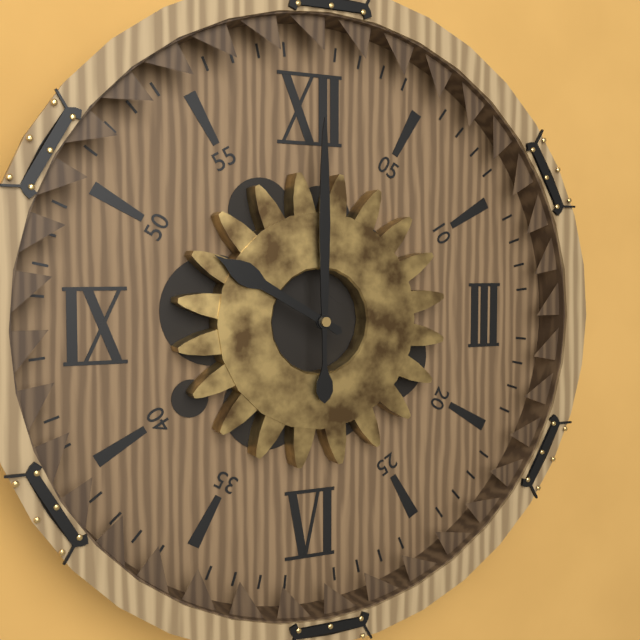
10h00
